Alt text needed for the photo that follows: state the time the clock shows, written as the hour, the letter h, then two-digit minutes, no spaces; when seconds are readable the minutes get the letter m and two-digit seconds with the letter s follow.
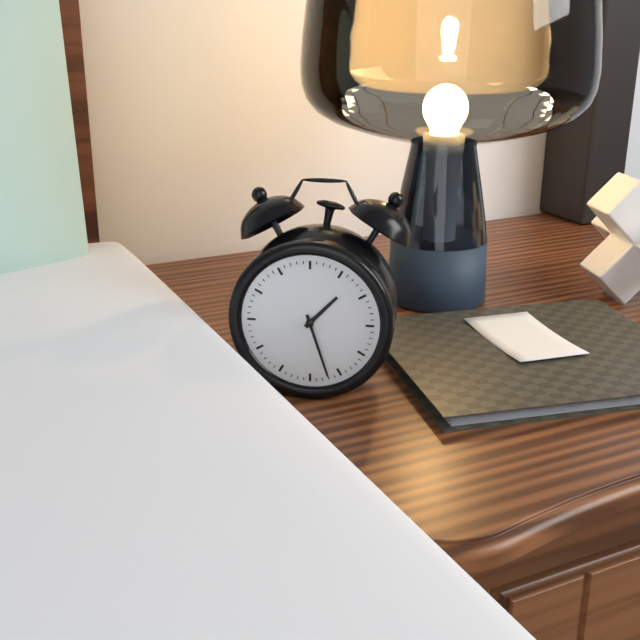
1h27
